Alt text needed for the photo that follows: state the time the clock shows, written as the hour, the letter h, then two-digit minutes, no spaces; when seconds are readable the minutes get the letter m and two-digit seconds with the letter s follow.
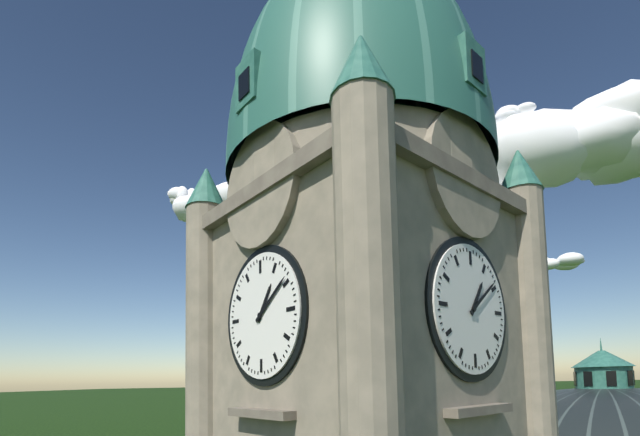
1h09
